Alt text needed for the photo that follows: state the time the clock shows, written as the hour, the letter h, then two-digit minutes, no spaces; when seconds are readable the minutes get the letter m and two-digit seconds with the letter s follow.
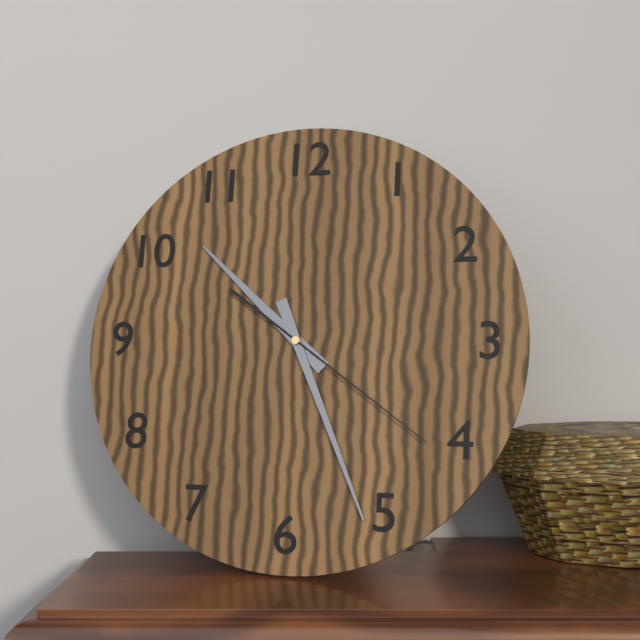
10h26m21s
